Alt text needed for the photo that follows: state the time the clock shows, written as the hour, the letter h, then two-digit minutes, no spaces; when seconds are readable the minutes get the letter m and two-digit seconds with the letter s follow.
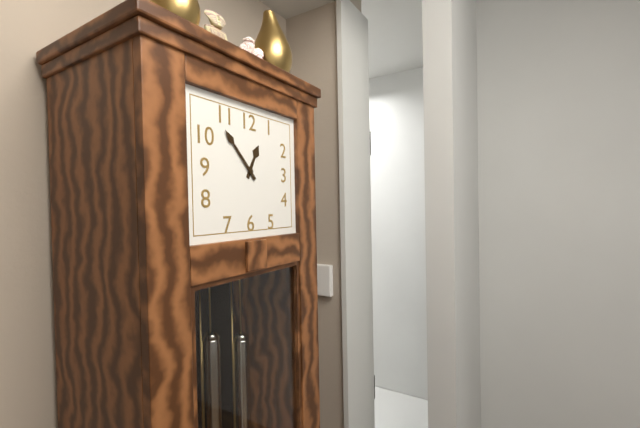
12h53
